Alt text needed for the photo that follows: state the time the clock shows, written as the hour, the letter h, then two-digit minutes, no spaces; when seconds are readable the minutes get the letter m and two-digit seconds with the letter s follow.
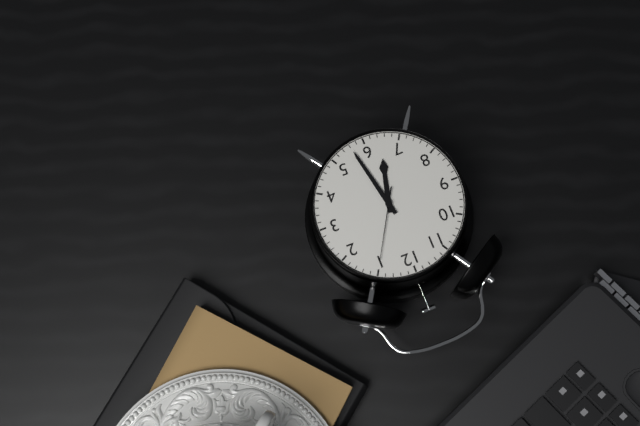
6h28m05s
